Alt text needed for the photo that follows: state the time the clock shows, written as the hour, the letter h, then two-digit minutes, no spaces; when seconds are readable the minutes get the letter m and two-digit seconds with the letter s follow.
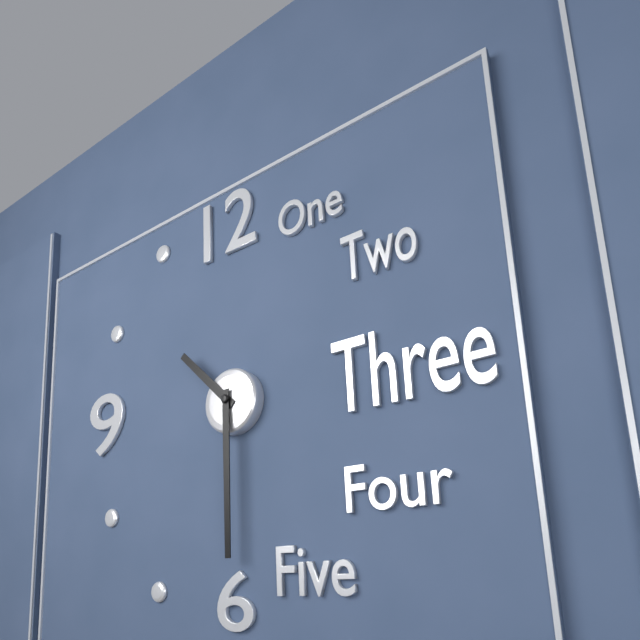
10h30
